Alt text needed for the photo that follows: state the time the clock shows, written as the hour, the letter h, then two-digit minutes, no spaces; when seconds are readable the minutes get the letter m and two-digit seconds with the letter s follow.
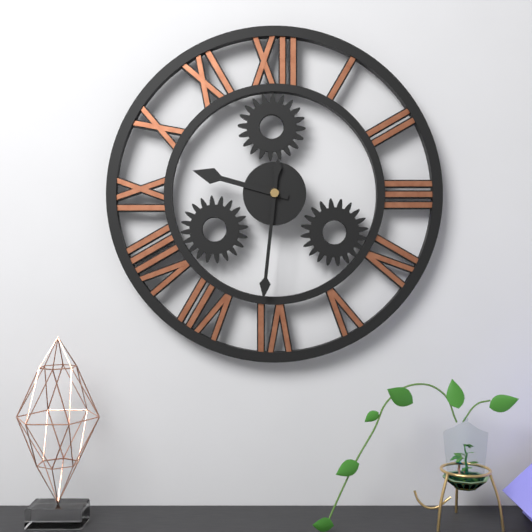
9h31
